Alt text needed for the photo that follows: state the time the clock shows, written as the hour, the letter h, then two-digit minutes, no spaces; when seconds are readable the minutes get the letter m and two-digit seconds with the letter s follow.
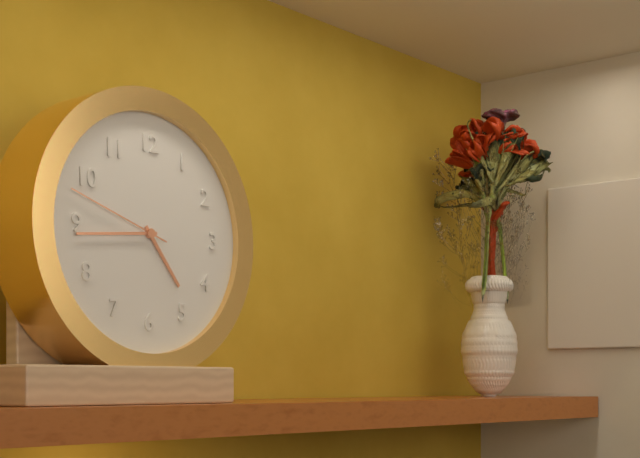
4h44m48s
